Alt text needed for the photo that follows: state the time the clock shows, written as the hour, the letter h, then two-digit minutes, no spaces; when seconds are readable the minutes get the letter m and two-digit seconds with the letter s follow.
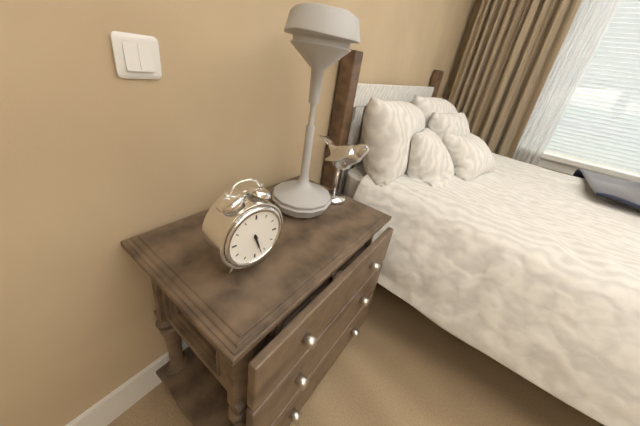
5h27
